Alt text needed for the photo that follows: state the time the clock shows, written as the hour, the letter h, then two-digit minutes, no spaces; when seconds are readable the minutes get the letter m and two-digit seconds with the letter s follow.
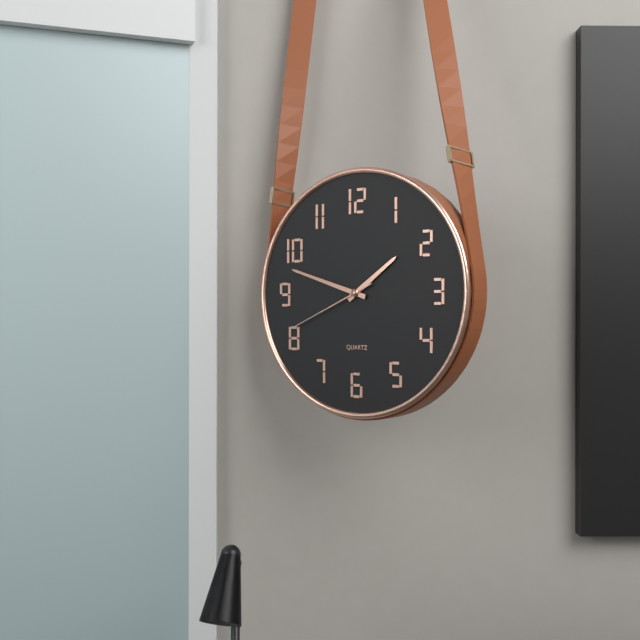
1h48m41s
